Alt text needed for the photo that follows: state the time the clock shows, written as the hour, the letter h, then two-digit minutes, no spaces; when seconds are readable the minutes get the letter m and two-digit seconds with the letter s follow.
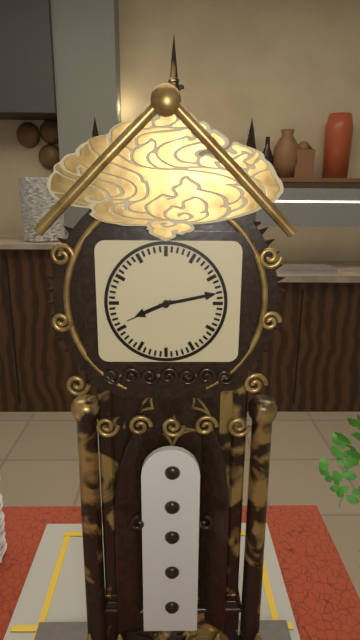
8h13m41s
